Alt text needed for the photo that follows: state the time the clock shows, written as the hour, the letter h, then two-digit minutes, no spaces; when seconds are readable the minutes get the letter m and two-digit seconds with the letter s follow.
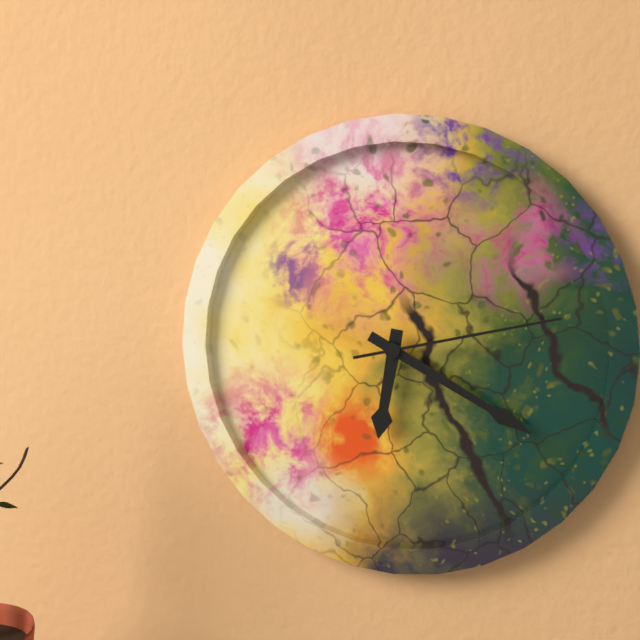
6h20m13s
